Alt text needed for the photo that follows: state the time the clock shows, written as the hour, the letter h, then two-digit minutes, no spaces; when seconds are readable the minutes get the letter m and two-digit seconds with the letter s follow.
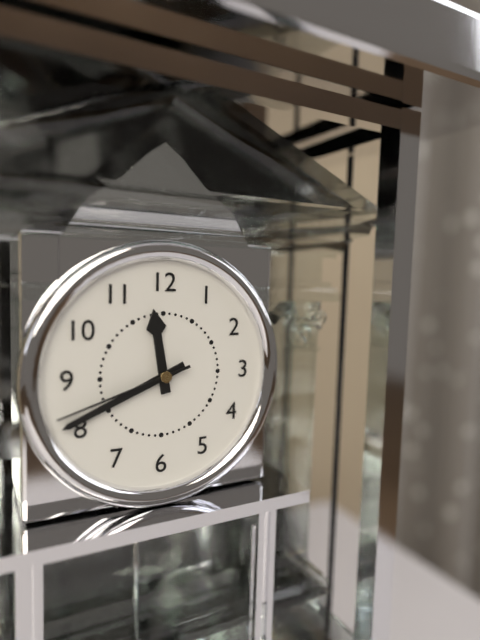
11h41m42s
